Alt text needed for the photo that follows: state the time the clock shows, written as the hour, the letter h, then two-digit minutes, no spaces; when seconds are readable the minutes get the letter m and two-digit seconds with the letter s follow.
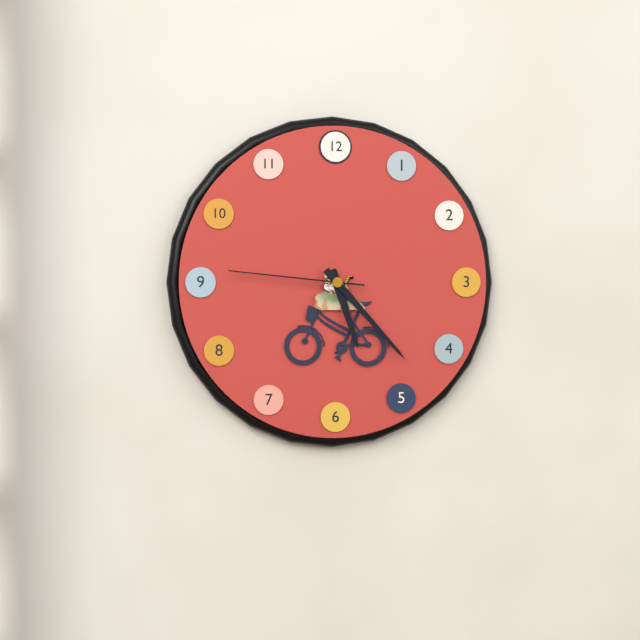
5h23m46s
